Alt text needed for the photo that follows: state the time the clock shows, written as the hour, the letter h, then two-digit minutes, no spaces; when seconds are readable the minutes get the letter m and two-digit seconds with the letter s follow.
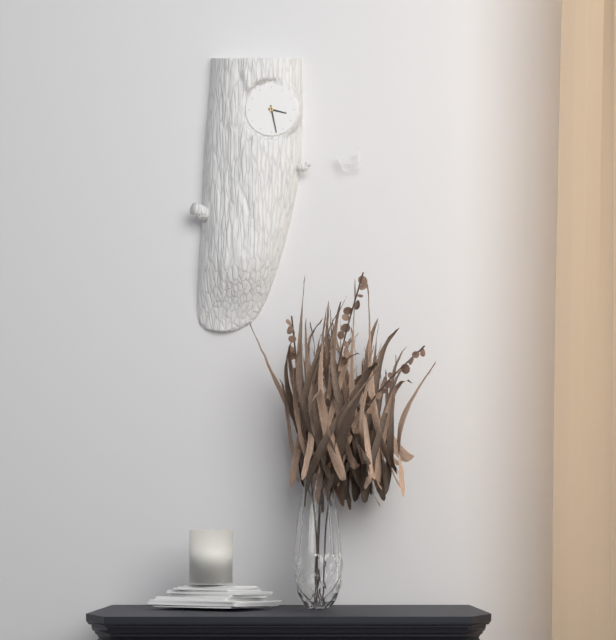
3h28
